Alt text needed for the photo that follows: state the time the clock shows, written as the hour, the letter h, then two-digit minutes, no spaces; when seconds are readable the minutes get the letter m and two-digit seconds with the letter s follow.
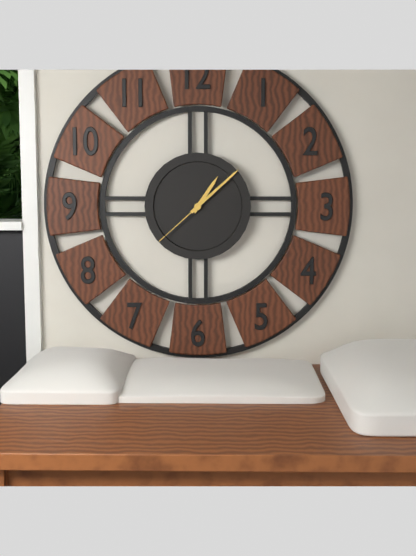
1h08m38s
